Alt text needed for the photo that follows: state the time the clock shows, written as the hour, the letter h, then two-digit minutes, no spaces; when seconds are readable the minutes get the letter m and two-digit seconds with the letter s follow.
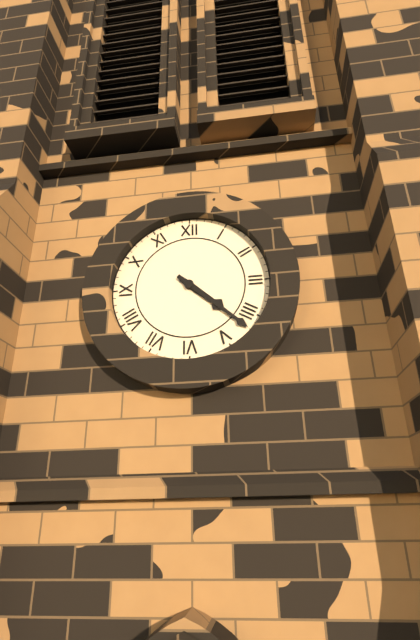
4h22
